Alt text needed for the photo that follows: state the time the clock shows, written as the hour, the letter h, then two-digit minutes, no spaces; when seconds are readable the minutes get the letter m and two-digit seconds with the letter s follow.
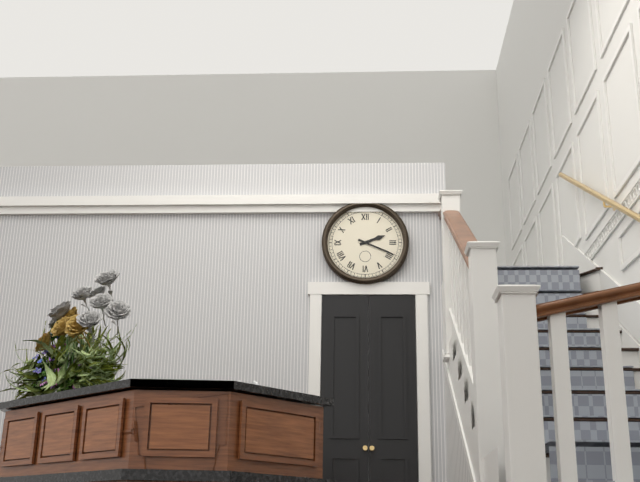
2h19
